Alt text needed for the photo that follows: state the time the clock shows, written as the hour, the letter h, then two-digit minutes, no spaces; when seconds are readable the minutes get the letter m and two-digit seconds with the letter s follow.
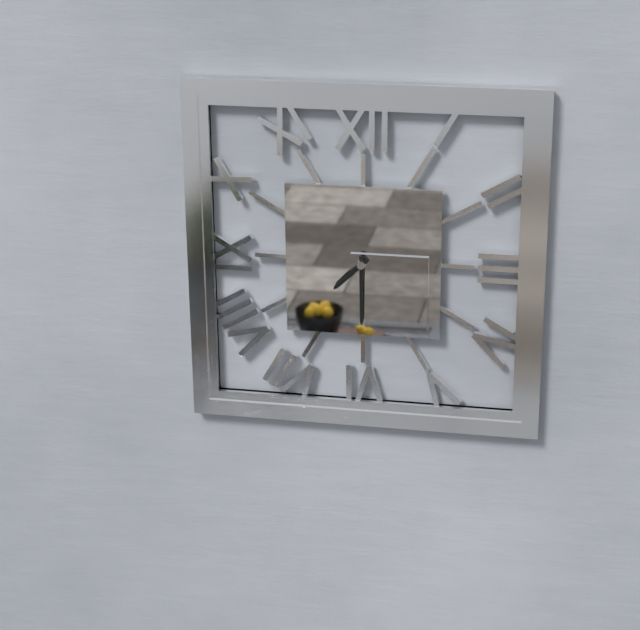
7h30
